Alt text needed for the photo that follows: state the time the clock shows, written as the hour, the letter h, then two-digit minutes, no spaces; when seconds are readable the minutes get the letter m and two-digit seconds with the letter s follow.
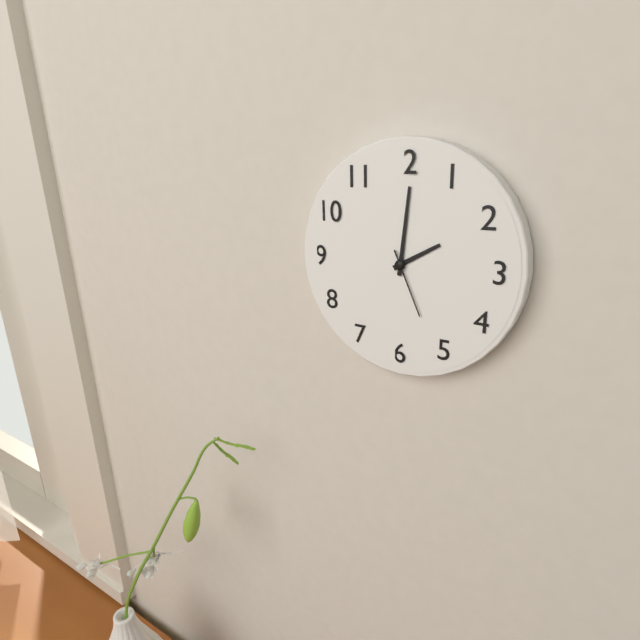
2h01m26s
